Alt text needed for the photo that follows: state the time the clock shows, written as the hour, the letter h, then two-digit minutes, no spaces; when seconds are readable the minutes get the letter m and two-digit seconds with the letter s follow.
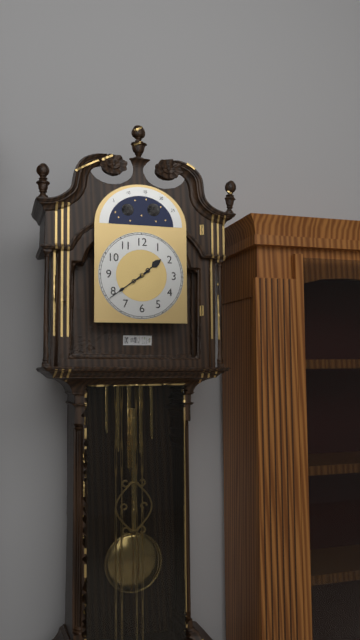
1h39
